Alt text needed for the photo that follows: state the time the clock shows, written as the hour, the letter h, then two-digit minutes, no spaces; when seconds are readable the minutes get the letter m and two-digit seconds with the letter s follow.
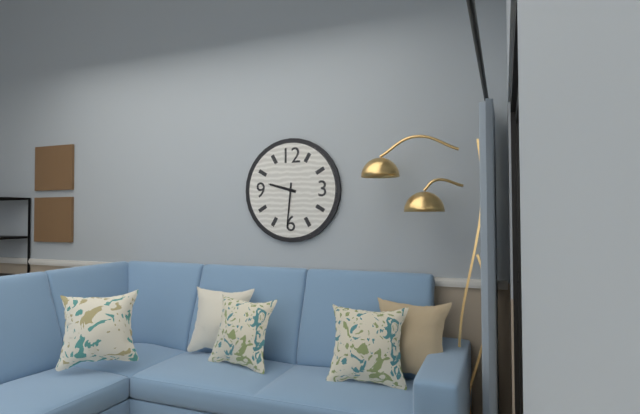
9h31
